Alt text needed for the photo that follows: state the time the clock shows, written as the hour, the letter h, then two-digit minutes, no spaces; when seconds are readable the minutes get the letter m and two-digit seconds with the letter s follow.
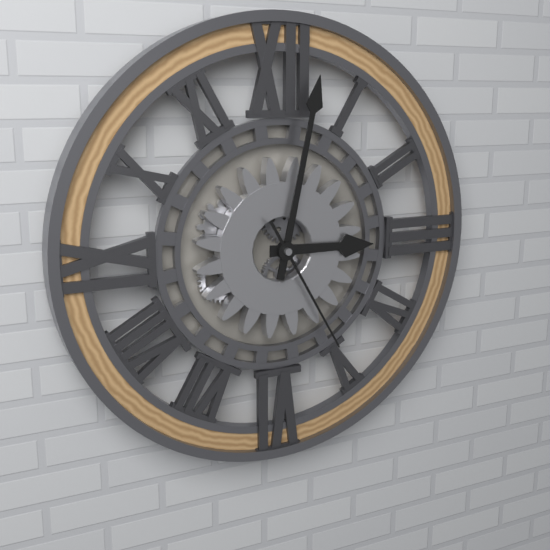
3h02m25s
